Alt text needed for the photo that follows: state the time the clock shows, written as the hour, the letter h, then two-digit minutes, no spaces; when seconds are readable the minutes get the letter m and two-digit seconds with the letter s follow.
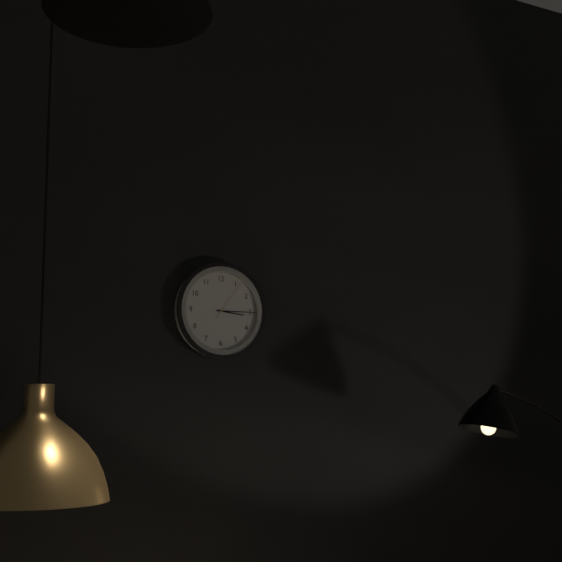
3h15
